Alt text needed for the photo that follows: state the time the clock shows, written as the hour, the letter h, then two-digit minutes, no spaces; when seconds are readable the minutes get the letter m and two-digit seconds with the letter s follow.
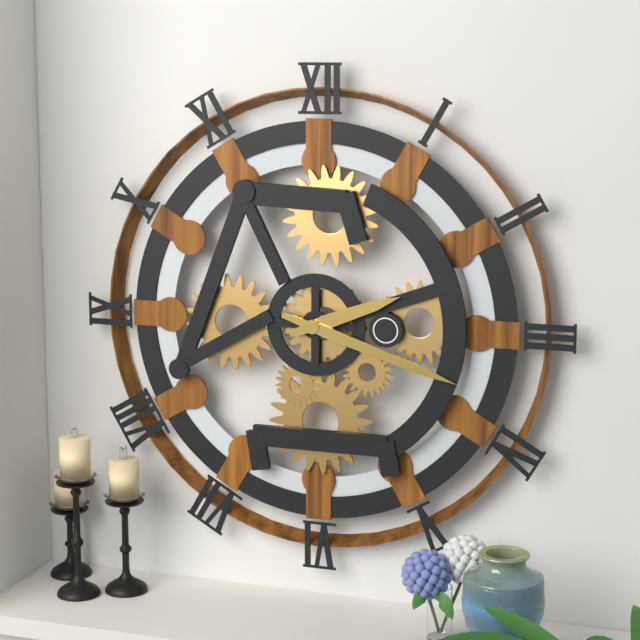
2h18
